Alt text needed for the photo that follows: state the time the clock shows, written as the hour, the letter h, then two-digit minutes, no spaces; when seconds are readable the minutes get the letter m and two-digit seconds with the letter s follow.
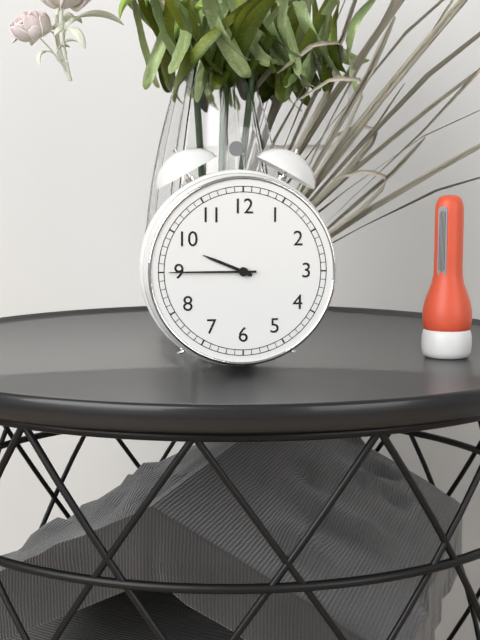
9h45
